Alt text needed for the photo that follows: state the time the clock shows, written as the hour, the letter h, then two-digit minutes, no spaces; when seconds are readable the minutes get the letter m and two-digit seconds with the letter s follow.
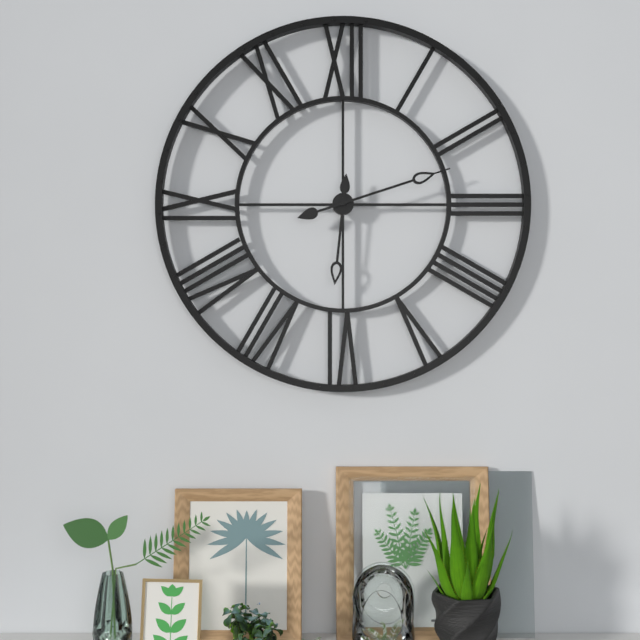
6h12
